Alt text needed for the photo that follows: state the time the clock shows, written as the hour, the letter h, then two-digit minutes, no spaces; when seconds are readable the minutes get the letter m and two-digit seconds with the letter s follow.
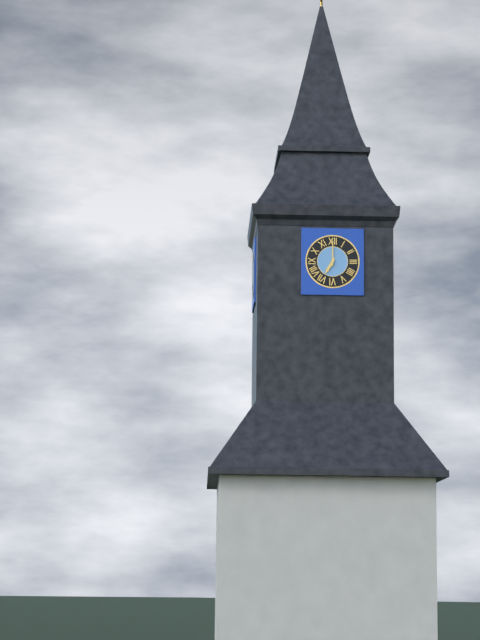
7h00
